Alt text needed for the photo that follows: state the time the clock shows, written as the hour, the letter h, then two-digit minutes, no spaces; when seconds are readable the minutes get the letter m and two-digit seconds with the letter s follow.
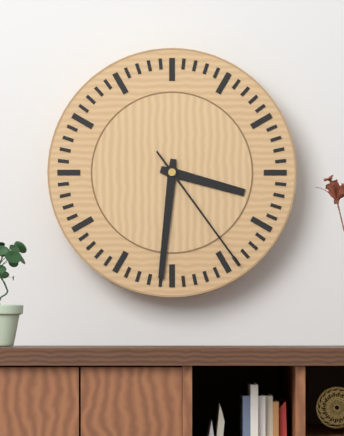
3h31m24s
